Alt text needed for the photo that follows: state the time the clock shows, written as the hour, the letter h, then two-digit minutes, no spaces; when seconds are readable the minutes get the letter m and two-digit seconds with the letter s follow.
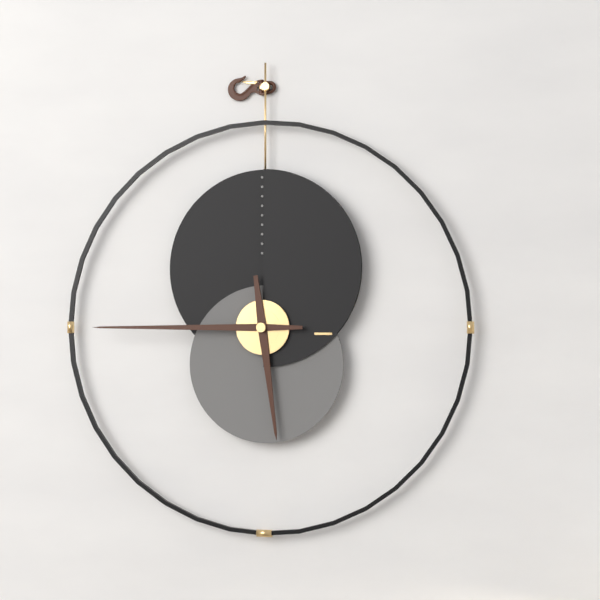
5h45
